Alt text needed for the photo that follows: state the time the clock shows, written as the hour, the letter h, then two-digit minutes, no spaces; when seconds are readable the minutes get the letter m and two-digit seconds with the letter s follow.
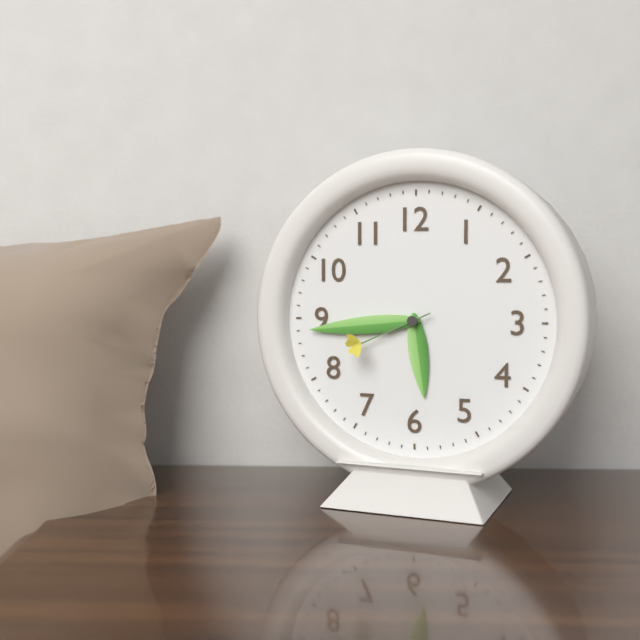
5h44m41s
